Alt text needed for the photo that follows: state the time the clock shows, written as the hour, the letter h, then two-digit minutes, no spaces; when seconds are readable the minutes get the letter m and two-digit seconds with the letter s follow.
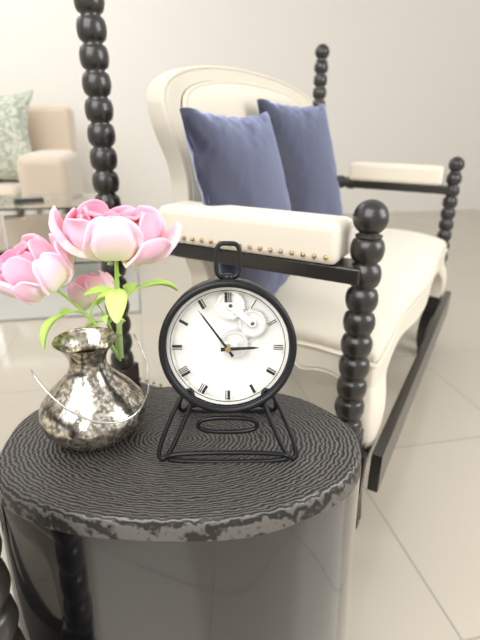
2h54
